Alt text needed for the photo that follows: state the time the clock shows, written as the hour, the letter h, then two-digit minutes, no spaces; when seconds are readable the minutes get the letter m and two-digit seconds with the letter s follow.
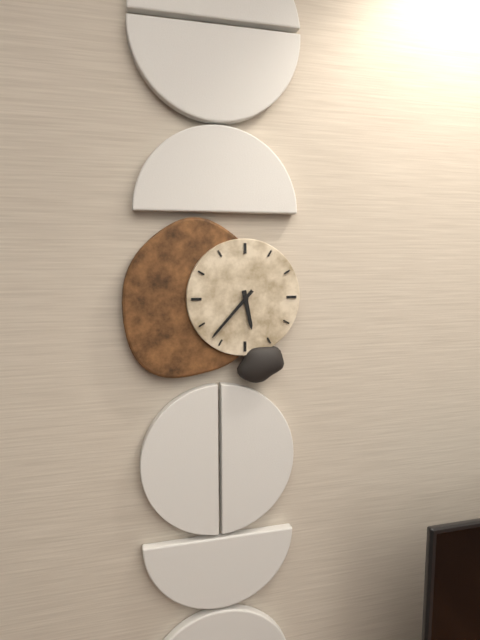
5h37
